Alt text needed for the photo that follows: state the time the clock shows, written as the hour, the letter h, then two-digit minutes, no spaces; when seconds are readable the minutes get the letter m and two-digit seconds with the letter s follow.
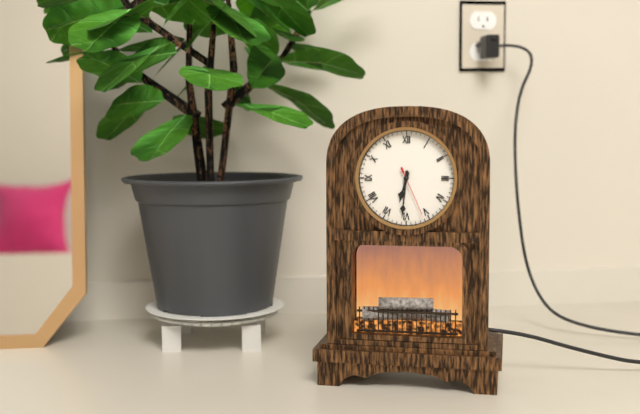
6h31m26s
